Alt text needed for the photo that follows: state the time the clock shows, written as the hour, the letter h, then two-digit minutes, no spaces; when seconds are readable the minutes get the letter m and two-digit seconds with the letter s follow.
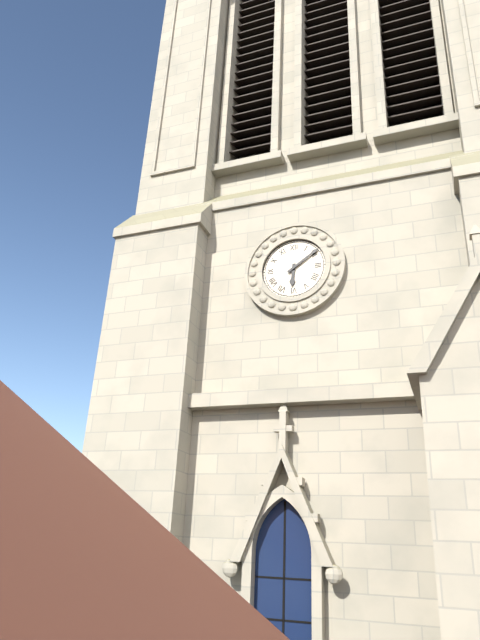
6h09
